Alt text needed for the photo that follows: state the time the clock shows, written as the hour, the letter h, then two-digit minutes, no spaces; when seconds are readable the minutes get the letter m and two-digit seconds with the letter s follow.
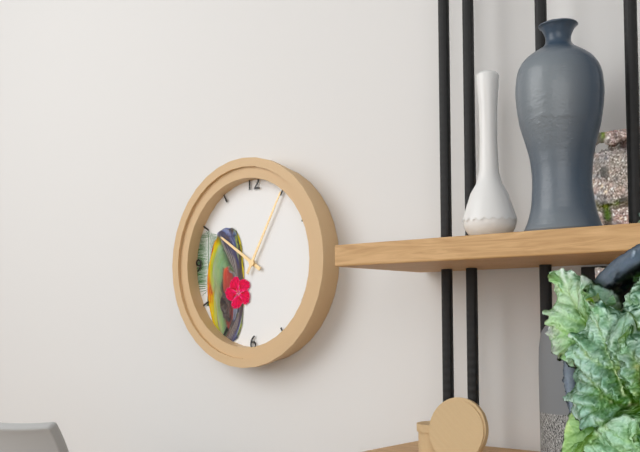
10h05
